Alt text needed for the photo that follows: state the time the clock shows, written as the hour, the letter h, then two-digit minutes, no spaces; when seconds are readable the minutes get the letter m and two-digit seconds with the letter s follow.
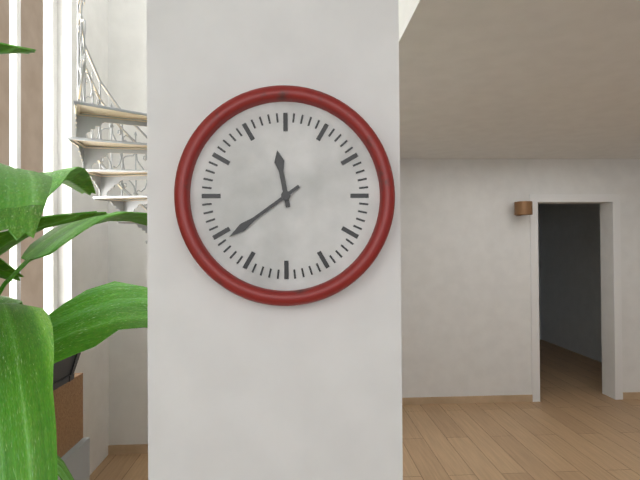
11h39
